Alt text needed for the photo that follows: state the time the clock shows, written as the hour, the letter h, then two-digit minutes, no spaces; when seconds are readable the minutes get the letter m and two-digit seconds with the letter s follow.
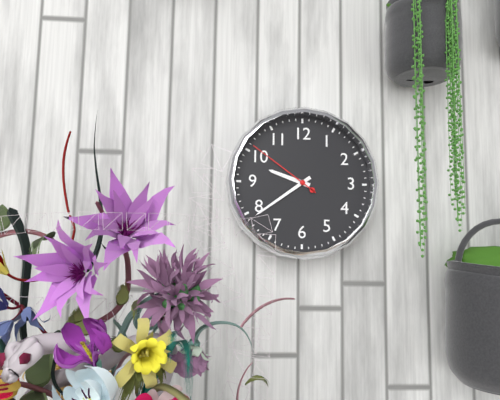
9h39m51s
